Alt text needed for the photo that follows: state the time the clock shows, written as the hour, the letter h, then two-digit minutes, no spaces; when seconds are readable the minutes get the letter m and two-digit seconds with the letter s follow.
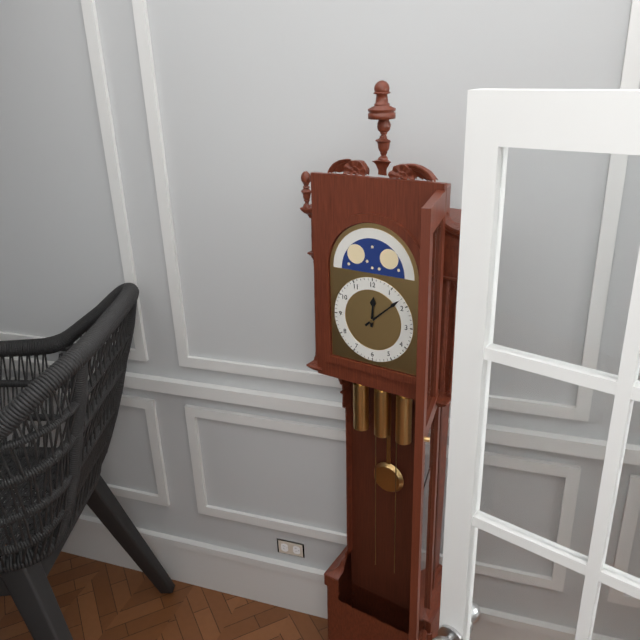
12h08
